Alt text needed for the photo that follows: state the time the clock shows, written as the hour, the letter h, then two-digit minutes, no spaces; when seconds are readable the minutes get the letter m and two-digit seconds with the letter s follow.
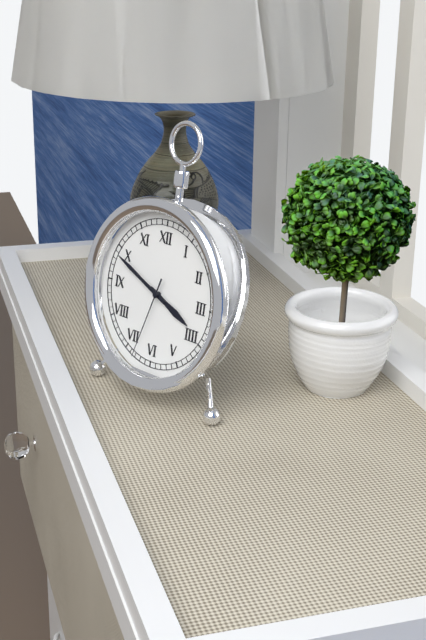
3h49m33s
